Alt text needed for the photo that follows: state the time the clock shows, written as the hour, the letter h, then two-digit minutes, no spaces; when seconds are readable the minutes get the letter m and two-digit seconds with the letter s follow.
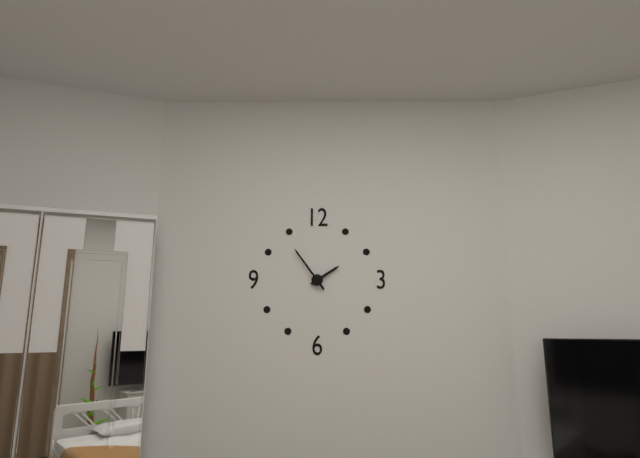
1h54
